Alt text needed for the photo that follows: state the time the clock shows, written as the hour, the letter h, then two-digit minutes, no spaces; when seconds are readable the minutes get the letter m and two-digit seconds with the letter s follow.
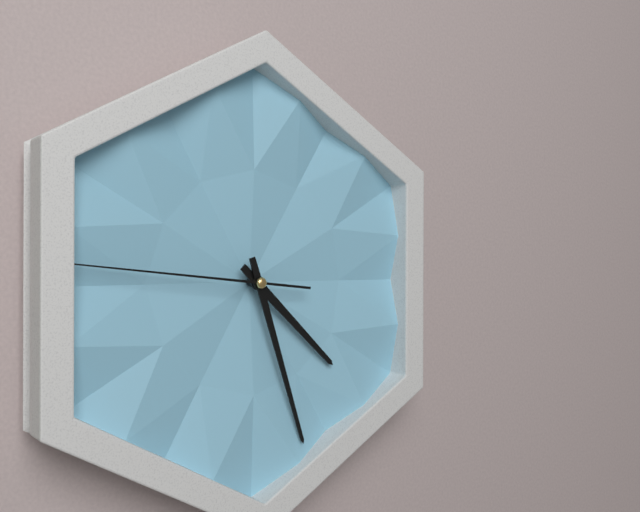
4h27m46s
